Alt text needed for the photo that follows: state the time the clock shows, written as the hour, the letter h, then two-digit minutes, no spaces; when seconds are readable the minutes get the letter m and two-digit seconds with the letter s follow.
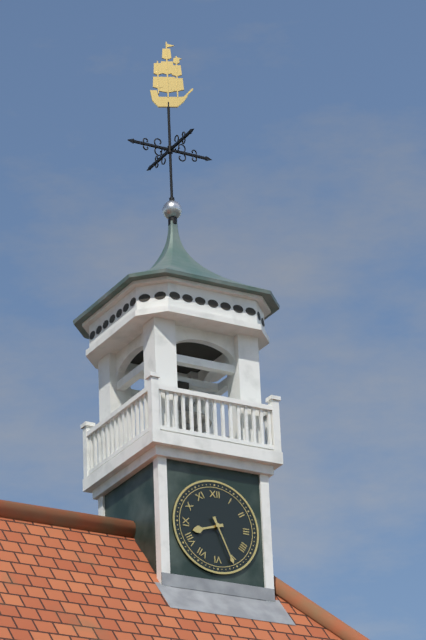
8h26
